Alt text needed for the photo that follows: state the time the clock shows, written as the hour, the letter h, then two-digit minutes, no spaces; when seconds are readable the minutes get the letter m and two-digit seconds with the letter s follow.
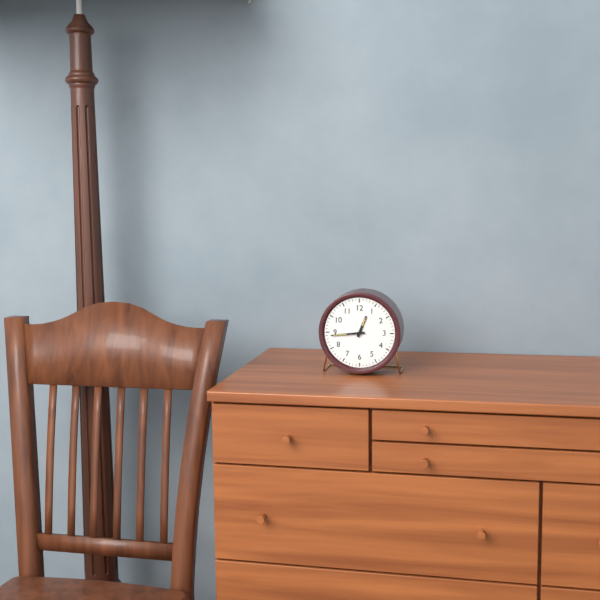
12h44
